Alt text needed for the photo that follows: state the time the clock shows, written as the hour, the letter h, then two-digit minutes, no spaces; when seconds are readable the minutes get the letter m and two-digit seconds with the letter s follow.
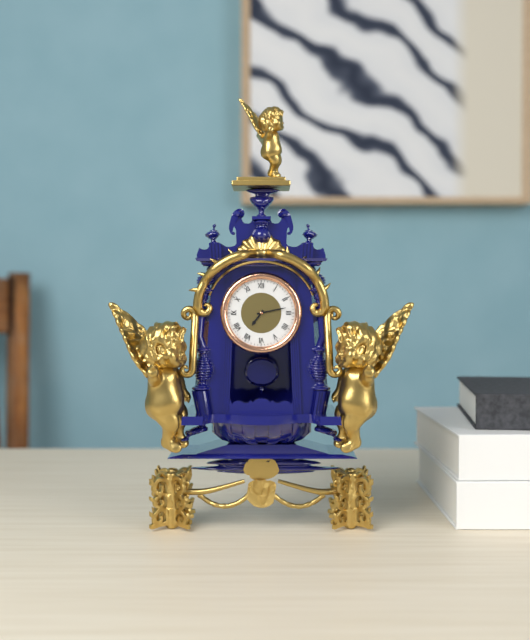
7h13
